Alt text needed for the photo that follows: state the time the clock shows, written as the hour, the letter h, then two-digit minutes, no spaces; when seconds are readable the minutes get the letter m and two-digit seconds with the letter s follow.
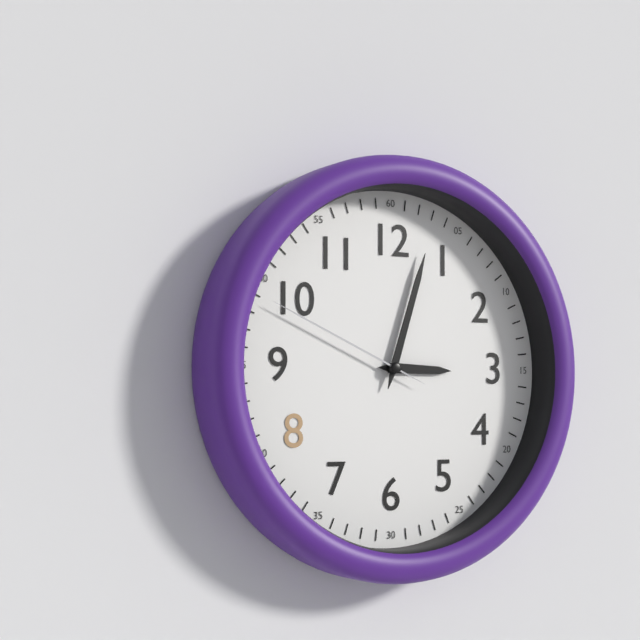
3h03m49s
